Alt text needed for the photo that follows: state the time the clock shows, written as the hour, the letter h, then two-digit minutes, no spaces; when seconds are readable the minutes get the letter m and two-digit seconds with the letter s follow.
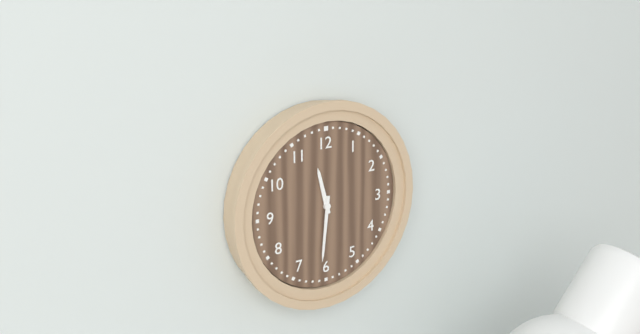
11h31
